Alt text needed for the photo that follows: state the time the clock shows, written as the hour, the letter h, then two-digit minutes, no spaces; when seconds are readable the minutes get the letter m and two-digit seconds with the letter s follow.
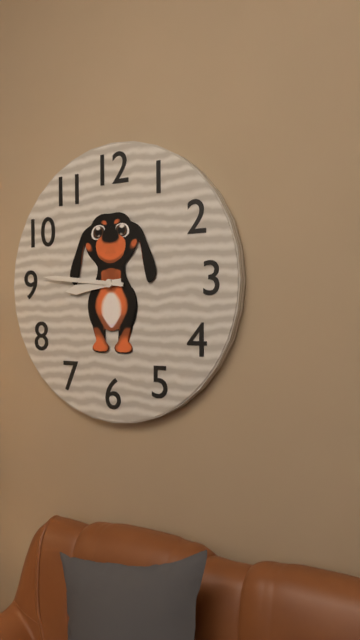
8h46
